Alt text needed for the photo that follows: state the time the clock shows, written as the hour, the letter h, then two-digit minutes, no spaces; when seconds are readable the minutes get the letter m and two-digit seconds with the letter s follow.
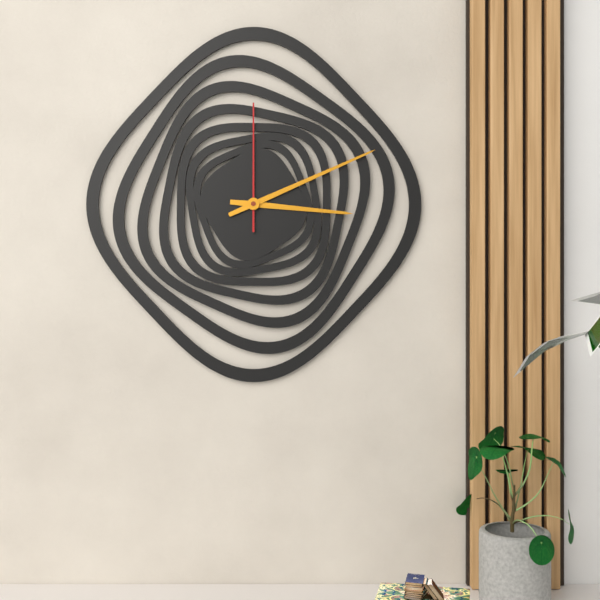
3h11m00s
